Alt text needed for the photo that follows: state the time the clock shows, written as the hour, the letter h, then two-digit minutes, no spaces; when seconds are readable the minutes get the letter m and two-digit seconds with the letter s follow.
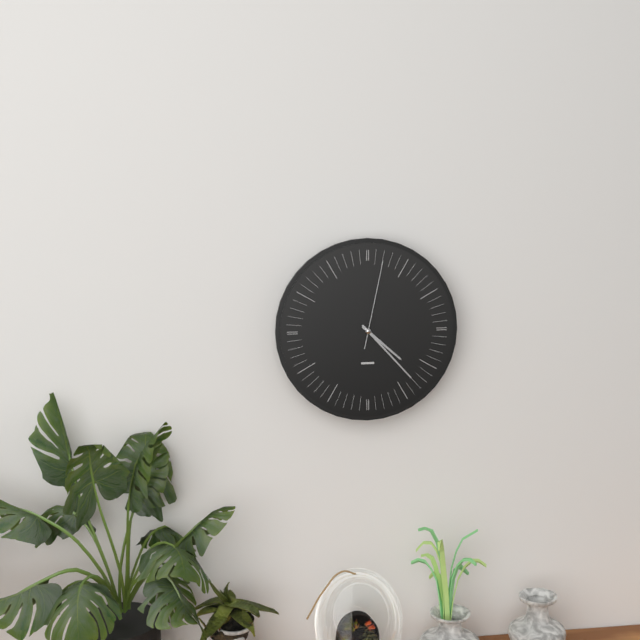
4h23m02s
